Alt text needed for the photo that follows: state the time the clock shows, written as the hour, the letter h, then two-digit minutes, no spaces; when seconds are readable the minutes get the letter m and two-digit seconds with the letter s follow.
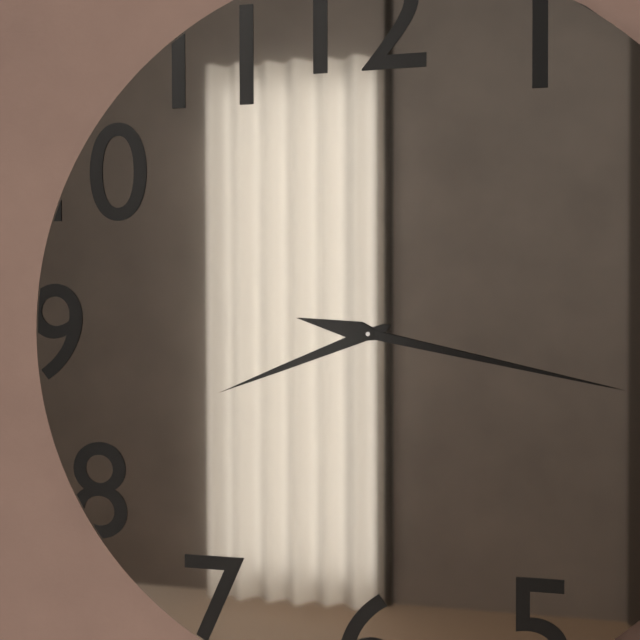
8h17
